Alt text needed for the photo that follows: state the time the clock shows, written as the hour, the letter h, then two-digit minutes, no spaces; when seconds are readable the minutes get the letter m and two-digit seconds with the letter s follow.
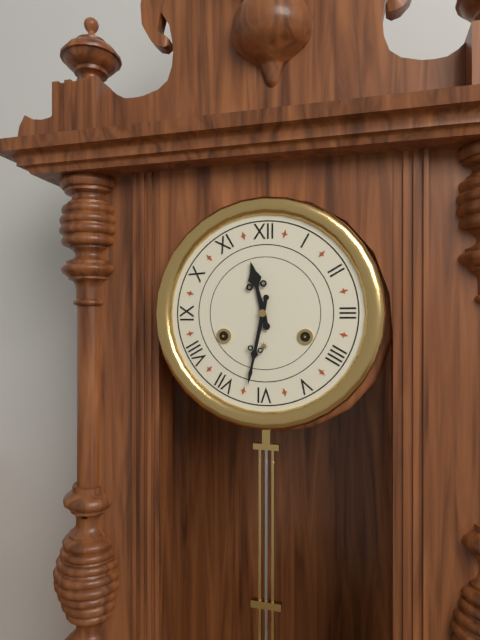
11h32
